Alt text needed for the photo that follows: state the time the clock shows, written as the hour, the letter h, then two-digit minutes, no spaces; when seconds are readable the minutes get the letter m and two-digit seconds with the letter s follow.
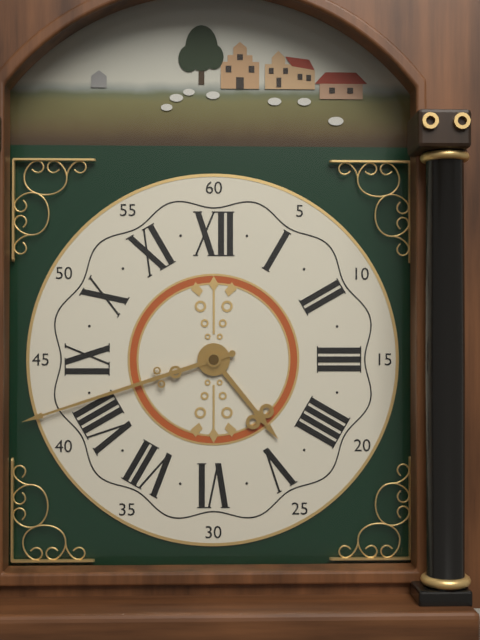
4h42
